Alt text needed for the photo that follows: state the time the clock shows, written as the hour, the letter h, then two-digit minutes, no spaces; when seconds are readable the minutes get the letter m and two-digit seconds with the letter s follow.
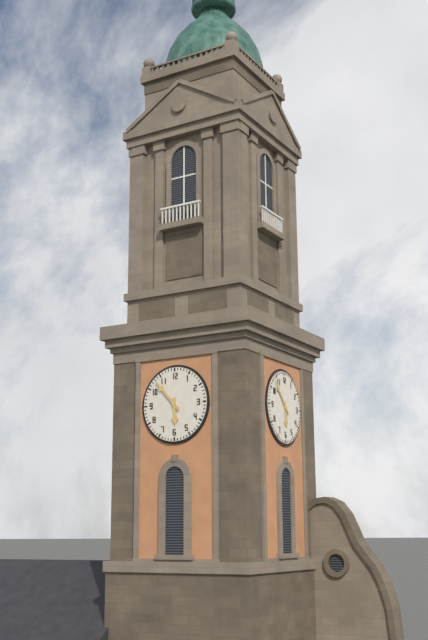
5h53
